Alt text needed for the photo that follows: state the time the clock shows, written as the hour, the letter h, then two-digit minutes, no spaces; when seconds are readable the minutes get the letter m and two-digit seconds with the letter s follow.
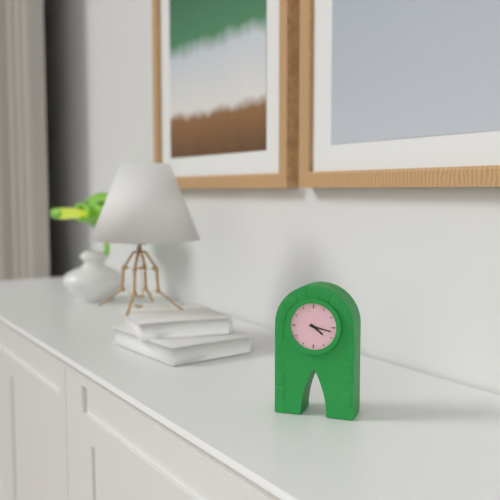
4h17
